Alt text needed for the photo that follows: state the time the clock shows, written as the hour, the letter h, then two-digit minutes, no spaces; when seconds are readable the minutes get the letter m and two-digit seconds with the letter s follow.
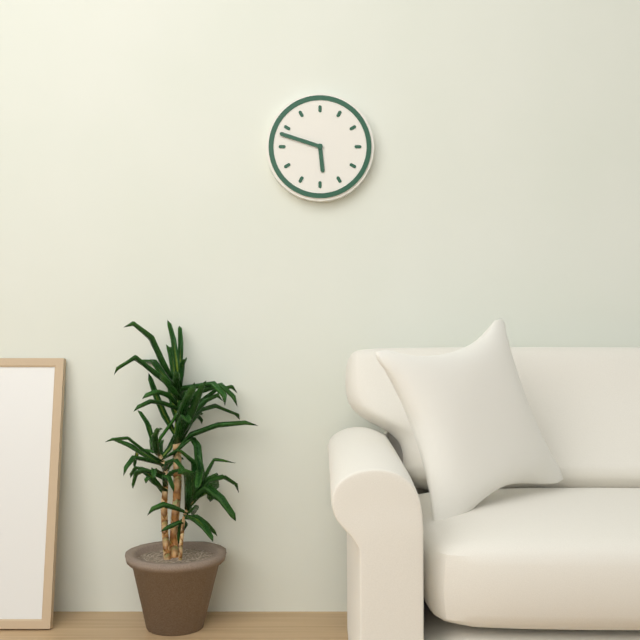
5h48
